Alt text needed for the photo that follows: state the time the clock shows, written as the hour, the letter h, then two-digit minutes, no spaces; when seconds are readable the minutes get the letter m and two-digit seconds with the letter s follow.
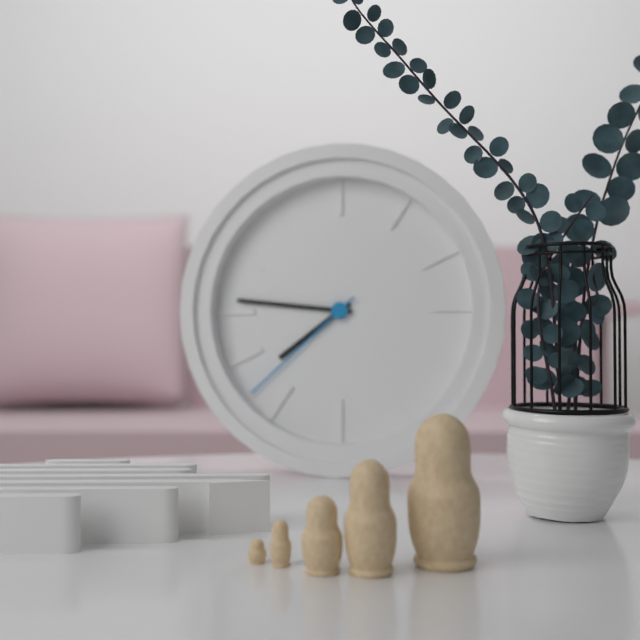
7h46m38s
